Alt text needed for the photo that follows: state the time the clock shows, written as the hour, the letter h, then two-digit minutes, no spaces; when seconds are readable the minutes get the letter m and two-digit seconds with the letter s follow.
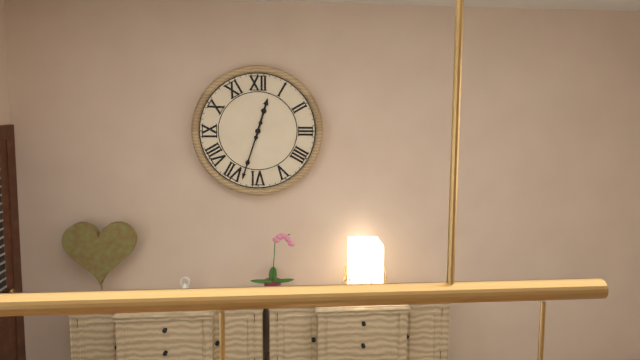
12h33
